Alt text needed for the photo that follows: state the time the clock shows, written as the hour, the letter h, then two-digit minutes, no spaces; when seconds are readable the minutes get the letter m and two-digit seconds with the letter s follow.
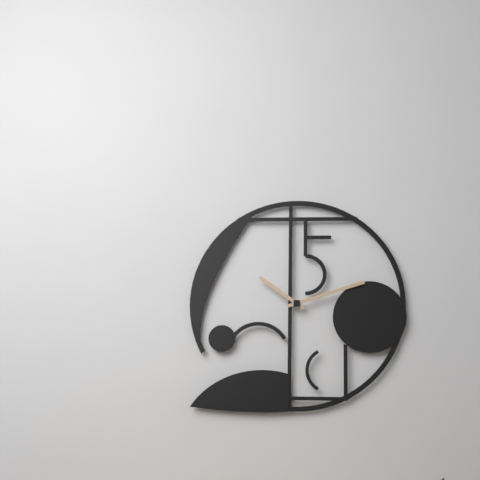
10h12
